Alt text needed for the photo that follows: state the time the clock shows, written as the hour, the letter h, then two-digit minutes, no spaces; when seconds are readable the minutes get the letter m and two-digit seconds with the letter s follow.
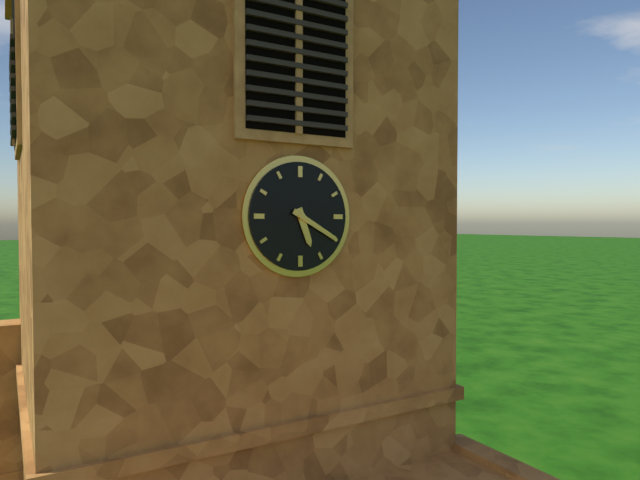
5h20
